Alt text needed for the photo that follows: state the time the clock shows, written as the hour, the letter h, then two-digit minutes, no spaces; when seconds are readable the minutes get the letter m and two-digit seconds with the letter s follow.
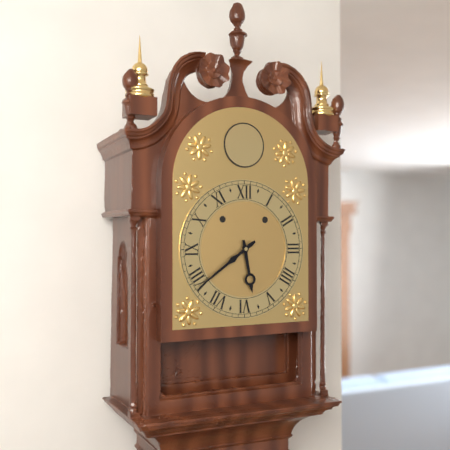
5h39
